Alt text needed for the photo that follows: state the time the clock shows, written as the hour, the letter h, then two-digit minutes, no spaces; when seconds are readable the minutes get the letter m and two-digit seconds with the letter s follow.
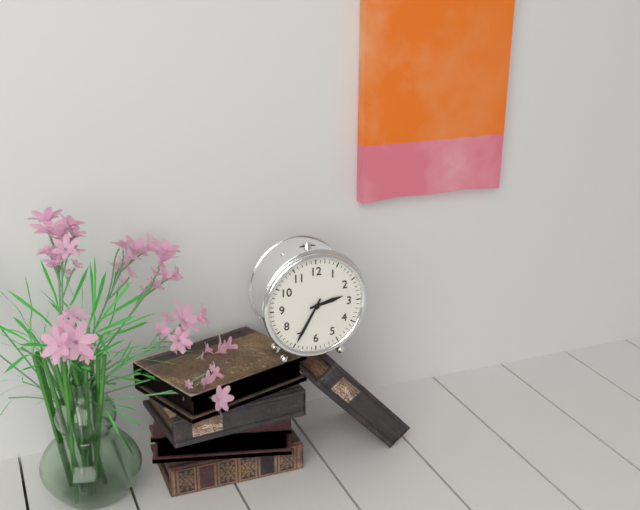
2h35
